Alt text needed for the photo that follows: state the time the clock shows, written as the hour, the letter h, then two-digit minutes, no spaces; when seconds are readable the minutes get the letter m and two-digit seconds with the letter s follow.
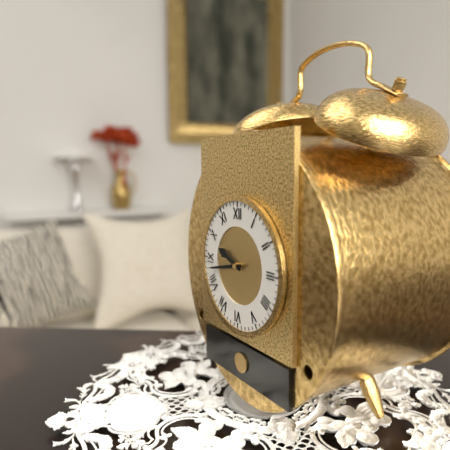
9h43
